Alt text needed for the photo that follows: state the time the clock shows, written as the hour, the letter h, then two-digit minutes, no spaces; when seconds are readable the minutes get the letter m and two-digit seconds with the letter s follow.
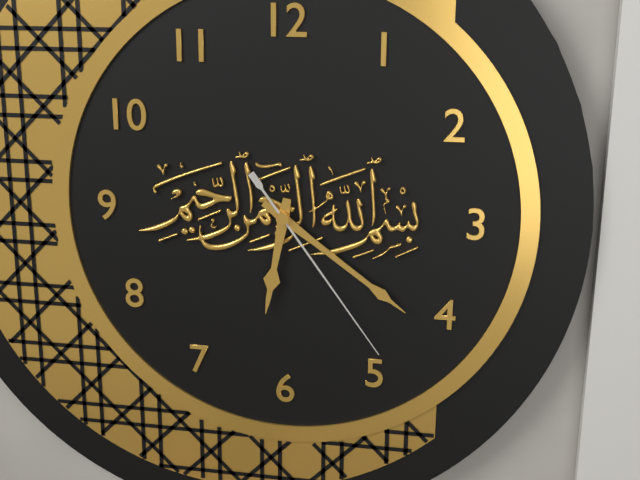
6h21m24s
